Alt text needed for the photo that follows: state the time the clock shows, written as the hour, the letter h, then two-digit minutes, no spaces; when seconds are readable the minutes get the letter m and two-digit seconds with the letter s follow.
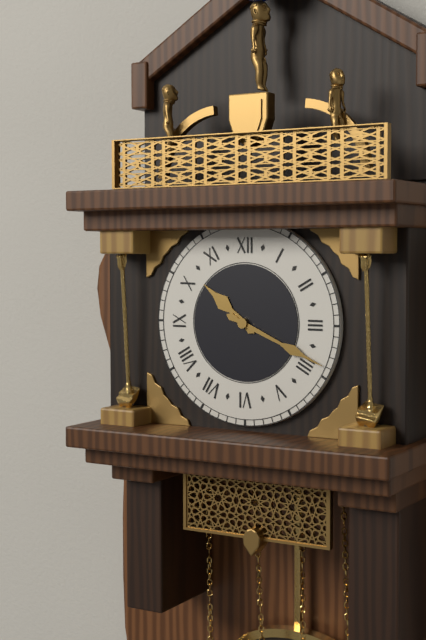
10h19
